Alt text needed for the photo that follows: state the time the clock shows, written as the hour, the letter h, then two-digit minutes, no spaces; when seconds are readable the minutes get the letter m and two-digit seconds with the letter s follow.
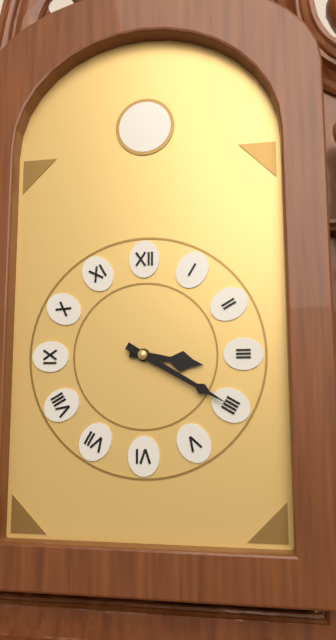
3h20
